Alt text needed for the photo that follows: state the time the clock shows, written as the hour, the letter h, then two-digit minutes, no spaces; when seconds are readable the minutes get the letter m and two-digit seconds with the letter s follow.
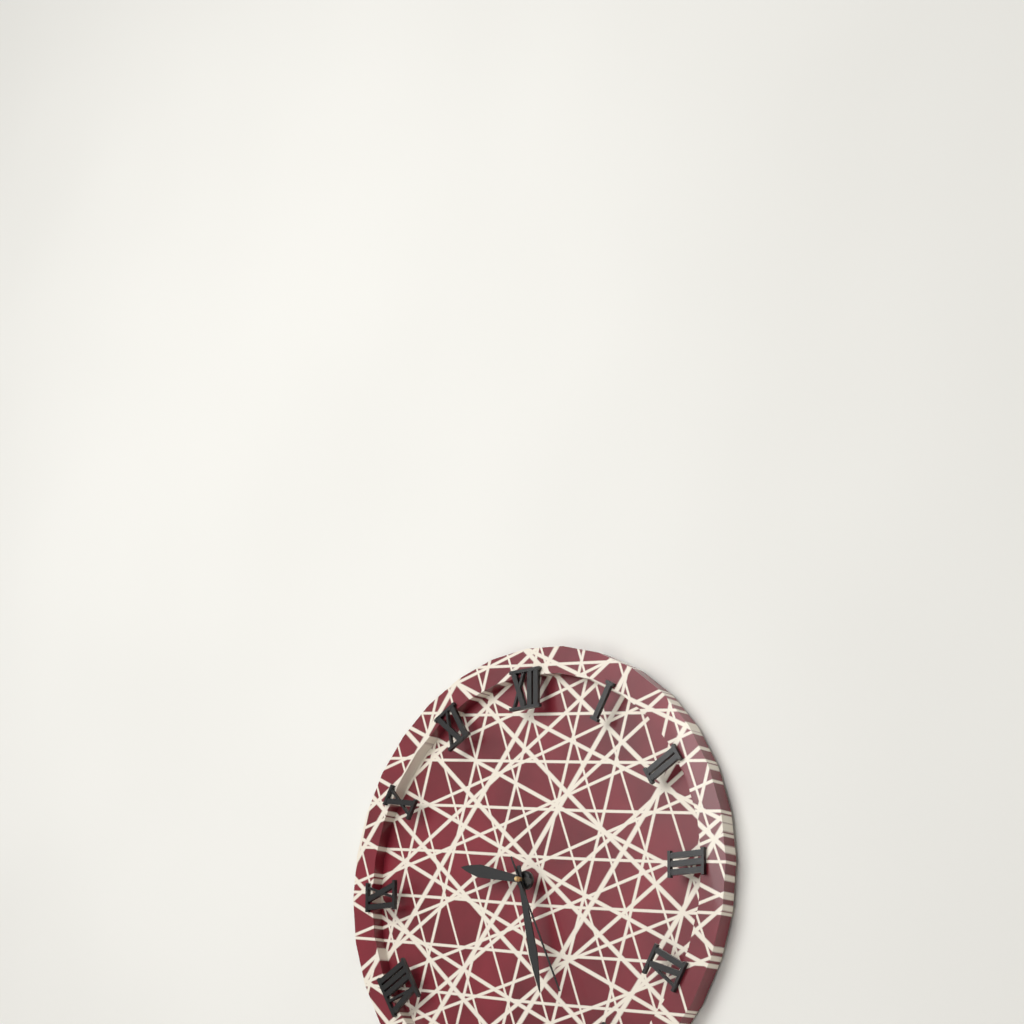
9h28m26s
